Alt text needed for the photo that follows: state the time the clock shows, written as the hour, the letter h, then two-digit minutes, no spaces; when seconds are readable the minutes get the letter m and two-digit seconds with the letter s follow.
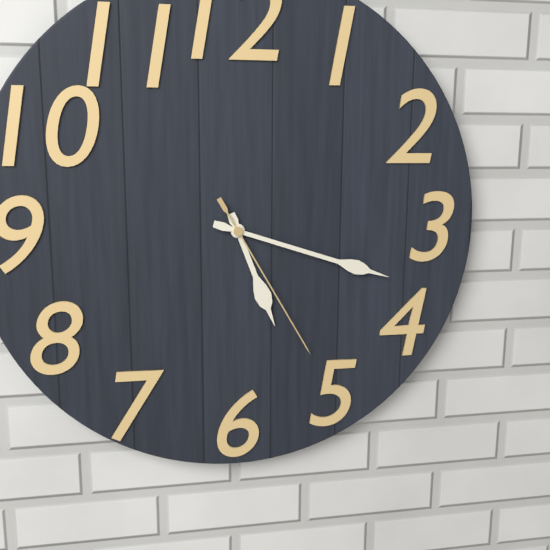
5h18m25s
